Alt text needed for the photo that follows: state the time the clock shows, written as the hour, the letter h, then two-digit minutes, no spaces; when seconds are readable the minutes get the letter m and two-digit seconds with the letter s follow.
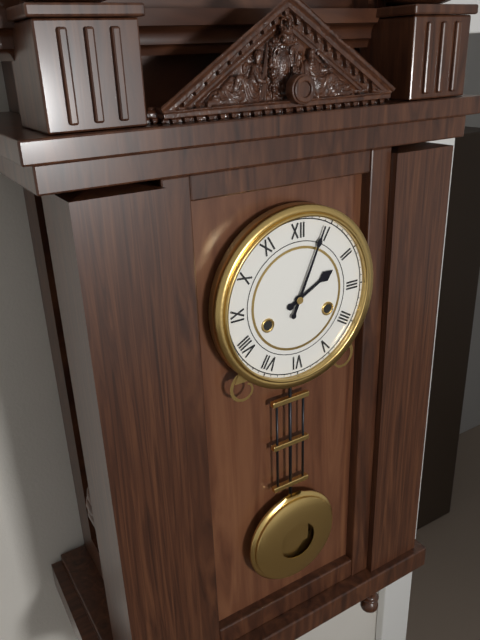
2h04
